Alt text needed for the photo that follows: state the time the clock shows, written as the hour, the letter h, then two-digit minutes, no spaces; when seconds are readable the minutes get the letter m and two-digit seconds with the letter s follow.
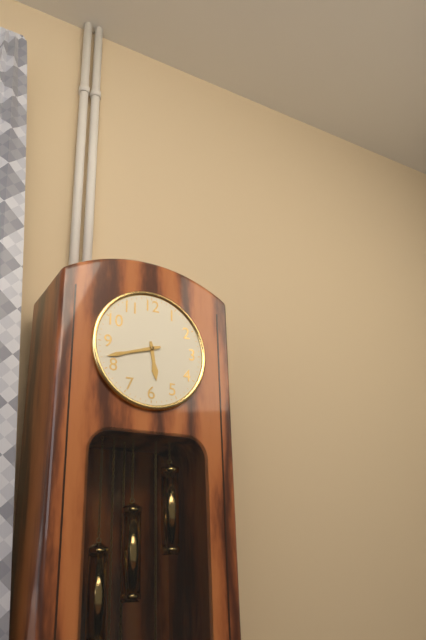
5h42
